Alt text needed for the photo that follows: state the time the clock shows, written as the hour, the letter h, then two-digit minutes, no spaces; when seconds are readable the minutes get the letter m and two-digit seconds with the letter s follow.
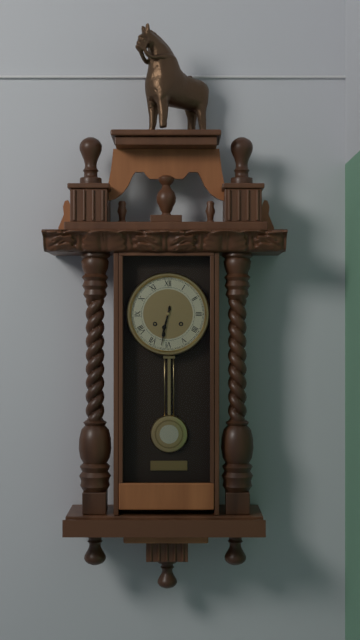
6h32
